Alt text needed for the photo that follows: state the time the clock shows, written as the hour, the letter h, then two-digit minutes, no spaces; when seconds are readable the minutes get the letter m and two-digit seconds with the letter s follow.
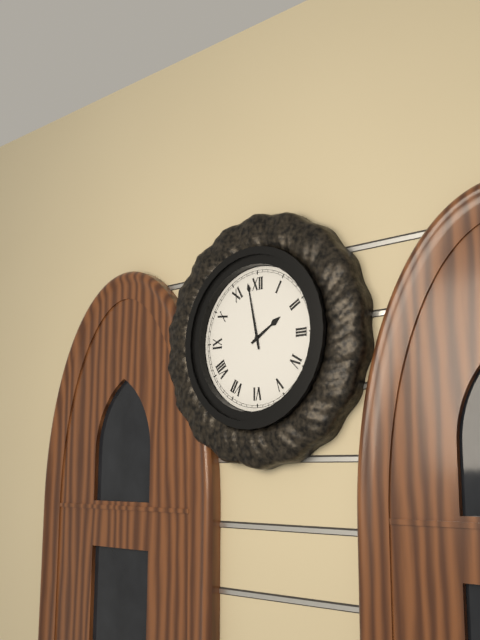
1h58
